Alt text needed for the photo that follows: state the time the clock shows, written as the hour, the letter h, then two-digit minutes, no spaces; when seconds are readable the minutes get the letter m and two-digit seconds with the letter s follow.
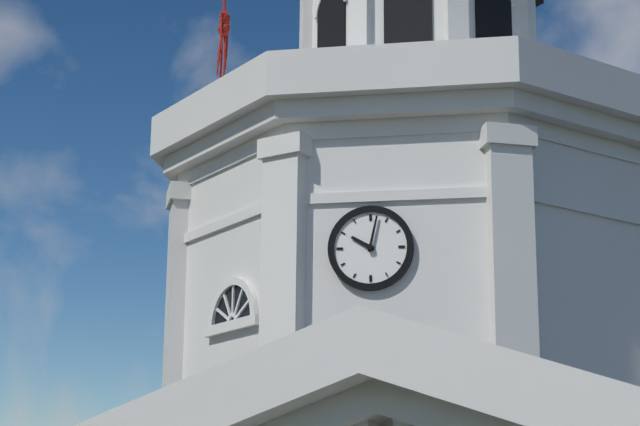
10h02
